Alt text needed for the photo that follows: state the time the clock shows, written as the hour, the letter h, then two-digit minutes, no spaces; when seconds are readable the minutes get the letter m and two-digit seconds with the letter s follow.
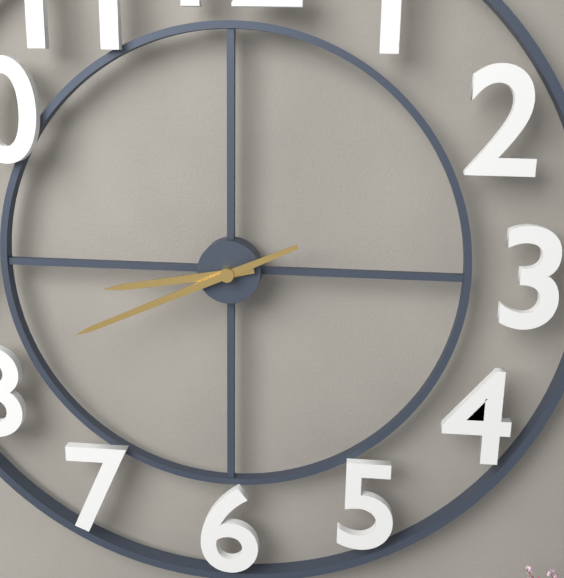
8h41
